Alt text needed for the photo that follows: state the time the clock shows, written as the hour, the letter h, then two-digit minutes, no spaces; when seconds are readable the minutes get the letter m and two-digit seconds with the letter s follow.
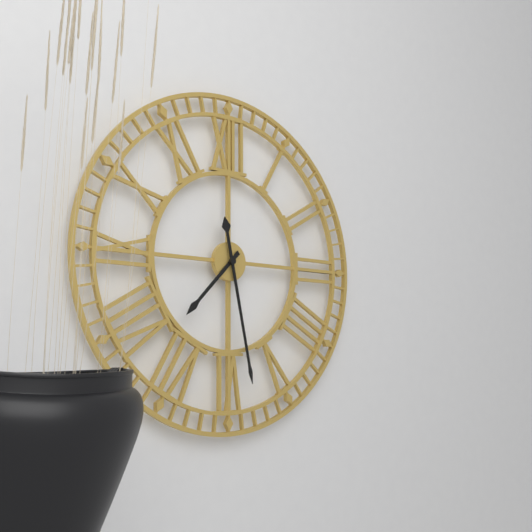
7h28
